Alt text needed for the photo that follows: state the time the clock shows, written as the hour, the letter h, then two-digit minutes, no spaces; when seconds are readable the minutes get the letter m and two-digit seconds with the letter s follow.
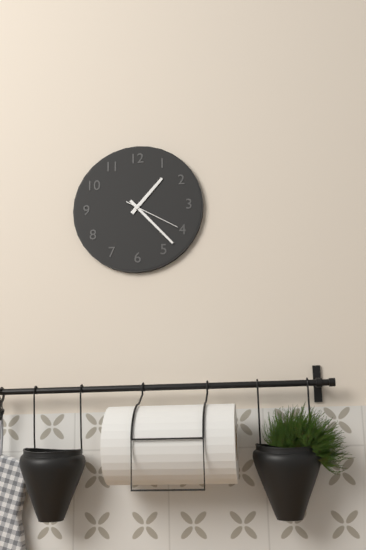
1h23m20s
